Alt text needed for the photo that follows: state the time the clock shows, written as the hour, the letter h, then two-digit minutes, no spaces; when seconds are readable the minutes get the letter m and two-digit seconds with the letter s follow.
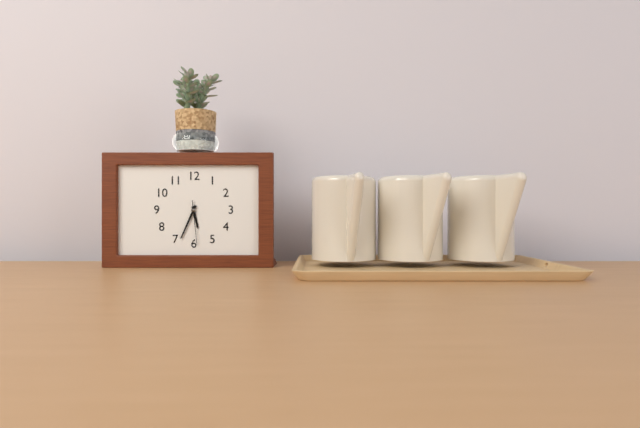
5h34
